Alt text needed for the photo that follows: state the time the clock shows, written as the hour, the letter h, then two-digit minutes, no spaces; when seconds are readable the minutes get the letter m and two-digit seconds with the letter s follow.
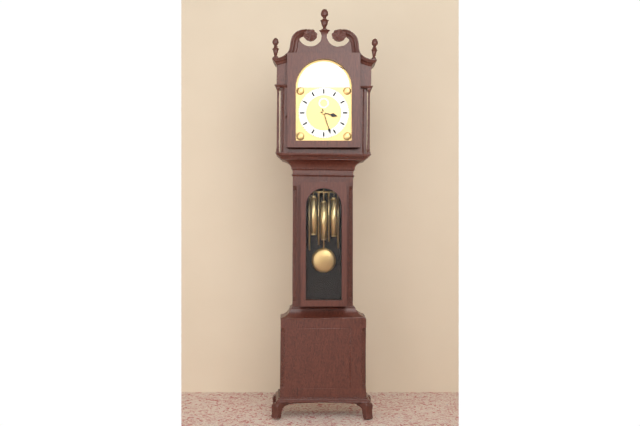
3h27
